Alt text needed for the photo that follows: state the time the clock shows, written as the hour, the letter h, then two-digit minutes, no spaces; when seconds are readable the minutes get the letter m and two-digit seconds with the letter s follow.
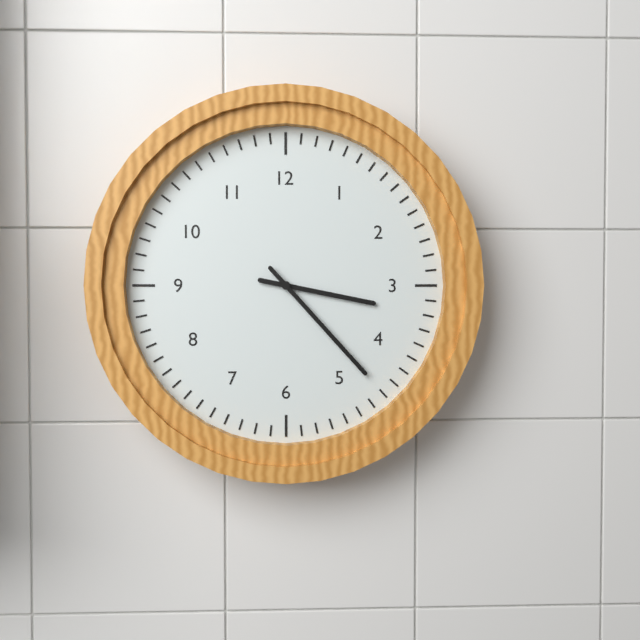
3h23
